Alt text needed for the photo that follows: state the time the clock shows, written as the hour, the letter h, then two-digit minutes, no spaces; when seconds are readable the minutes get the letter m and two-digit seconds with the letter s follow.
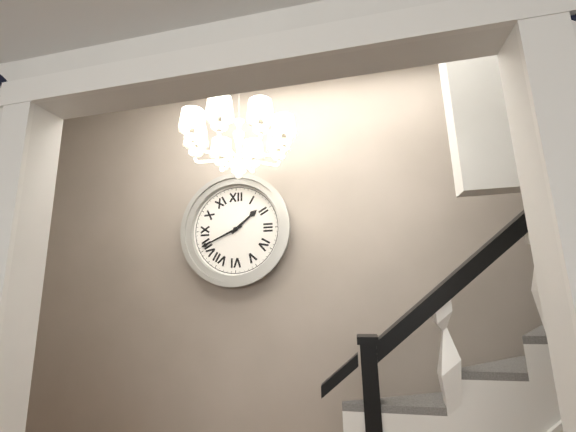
1h41
